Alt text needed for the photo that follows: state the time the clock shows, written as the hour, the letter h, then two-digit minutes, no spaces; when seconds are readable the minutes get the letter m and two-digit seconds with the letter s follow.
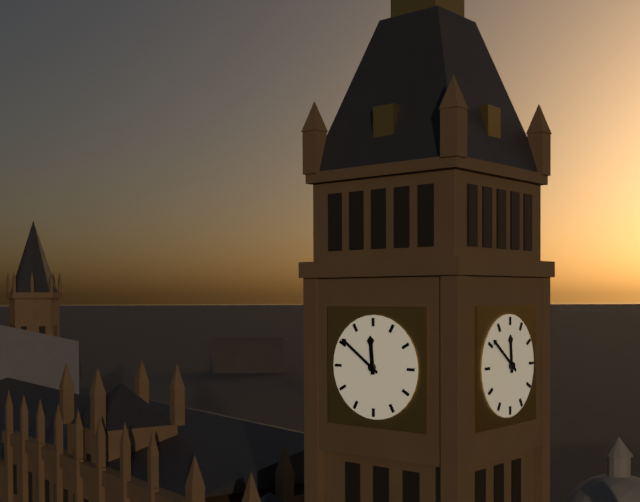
11h51
